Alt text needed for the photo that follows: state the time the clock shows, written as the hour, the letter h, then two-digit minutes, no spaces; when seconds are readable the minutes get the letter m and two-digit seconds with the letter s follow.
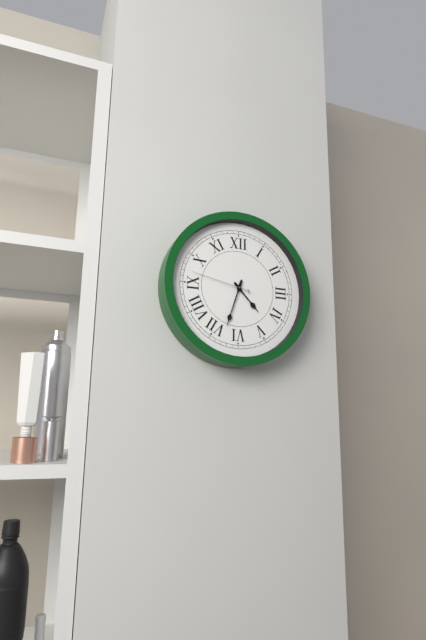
4h33m47s
